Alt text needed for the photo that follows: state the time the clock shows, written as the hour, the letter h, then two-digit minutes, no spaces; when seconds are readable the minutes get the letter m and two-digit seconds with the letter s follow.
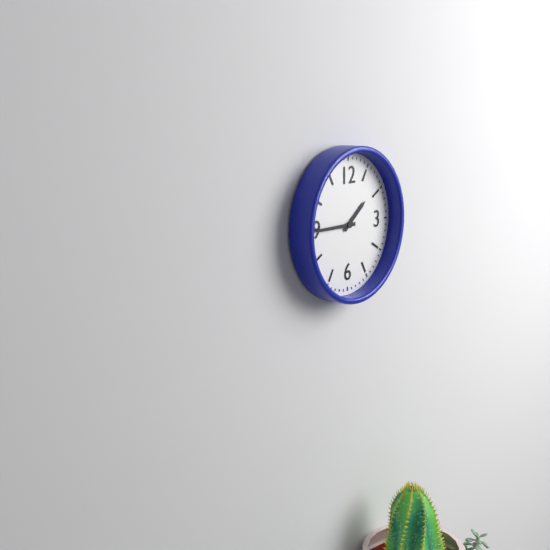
1h45
